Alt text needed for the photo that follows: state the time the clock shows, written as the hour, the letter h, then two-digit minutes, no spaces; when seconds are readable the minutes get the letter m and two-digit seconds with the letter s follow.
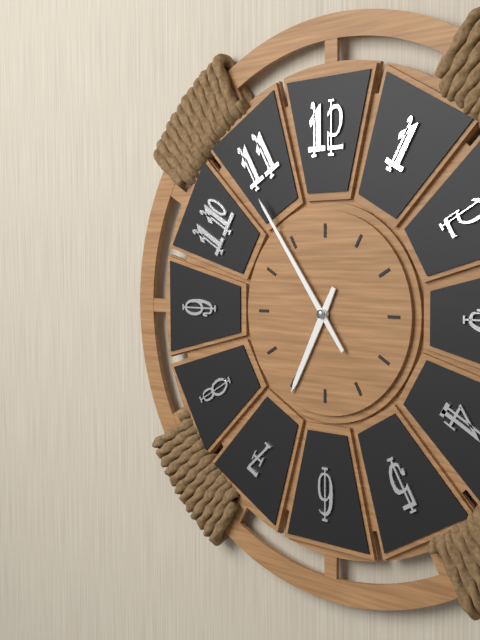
6h54
